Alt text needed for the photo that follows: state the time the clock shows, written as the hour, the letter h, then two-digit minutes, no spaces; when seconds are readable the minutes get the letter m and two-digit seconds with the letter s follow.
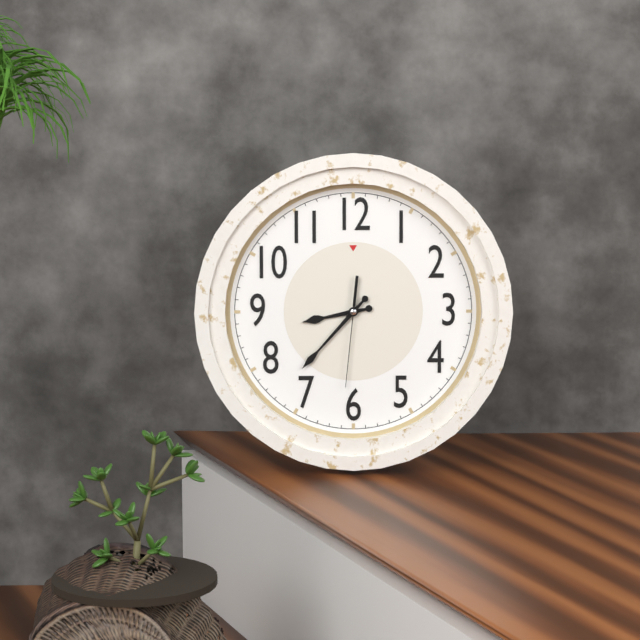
8h37m31s
